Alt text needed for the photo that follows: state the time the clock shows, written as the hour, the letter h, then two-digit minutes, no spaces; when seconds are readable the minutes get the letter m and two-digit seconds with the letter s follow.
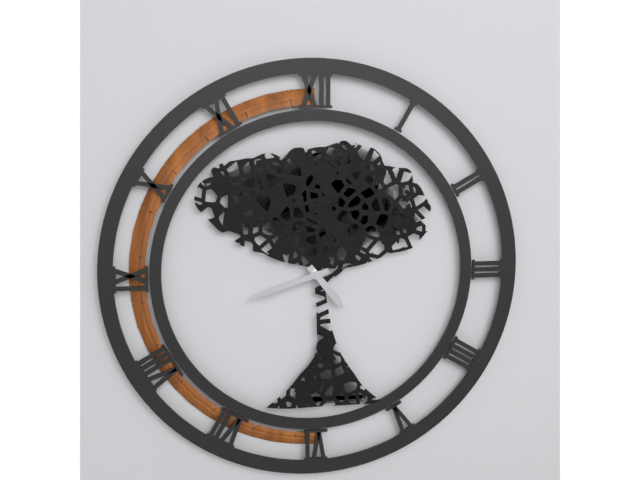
4h42
